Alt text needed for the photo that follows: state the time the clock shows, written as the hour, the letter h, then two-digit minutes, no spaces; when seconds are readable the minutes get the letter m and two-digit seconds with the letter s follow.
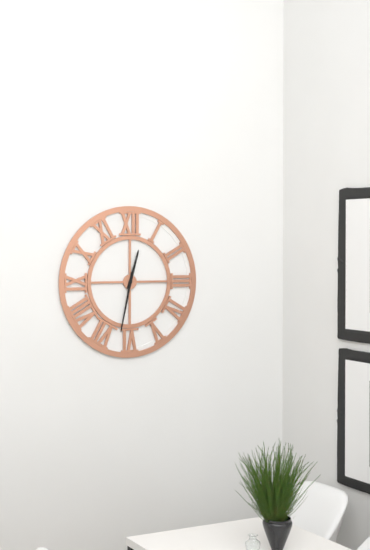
12h32
